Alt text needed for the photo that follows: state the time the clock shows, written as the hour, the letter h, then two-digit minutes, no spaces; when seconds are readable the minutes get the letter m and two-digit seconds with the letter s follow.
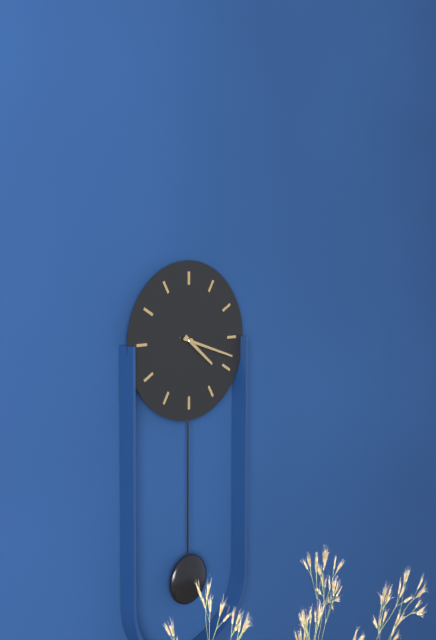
4h18
